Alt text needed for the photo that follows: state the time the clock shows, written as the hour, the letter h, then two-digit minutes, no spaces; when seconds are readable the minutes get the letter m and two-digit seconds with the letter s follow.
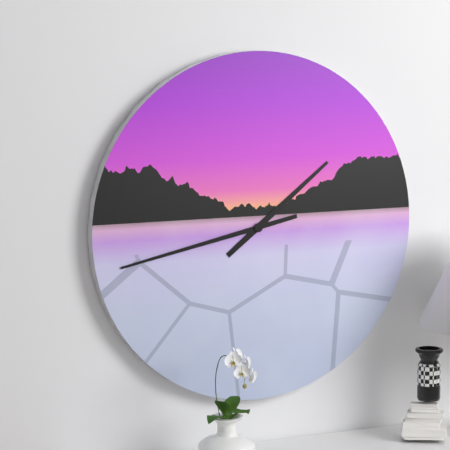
1h43
